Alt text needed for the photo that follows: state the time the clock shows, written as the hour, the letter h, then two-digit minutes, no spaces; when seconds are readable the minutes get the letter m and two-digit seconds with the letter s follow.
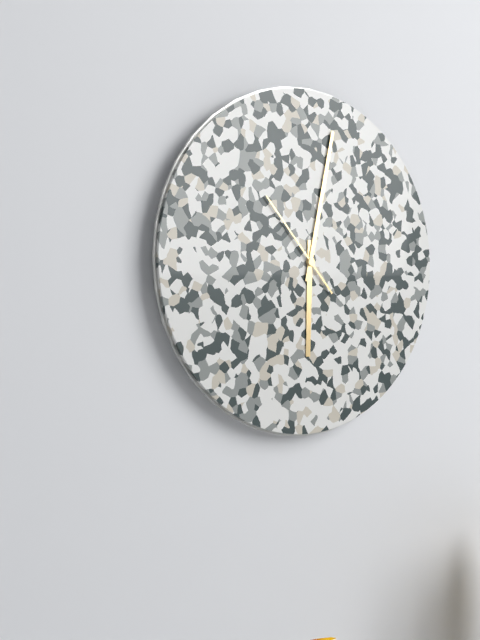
6h02m53s
